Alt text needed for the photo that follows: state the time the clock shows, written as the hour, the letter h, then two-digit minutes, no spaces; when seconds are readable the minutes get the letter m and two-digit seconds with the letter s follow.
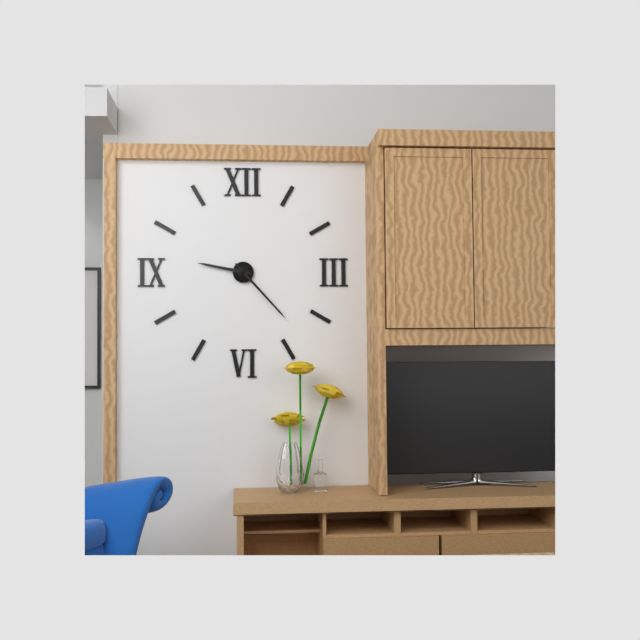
9h23
